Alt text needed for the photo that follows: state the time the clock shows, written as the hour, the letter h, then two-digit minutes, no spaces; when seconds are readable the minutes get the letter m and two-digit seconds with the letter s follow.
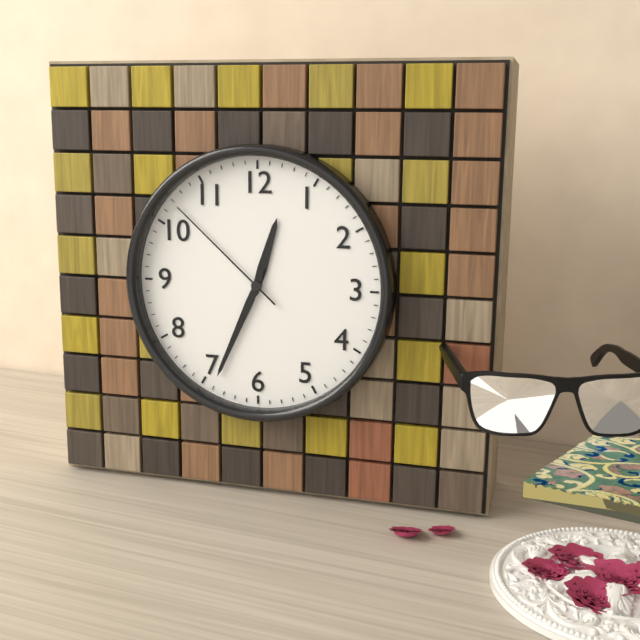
12h34m52s
